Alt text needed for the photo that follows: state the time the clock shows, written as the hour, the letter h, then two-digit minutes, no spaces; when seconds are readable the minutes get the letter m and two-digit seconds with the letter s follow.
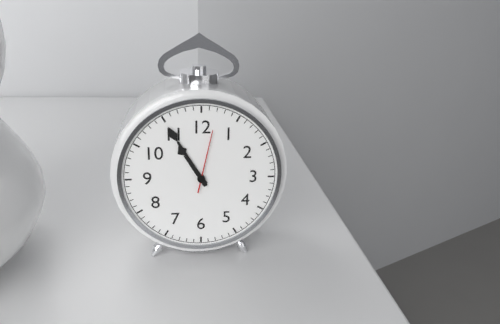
10h55m02s
